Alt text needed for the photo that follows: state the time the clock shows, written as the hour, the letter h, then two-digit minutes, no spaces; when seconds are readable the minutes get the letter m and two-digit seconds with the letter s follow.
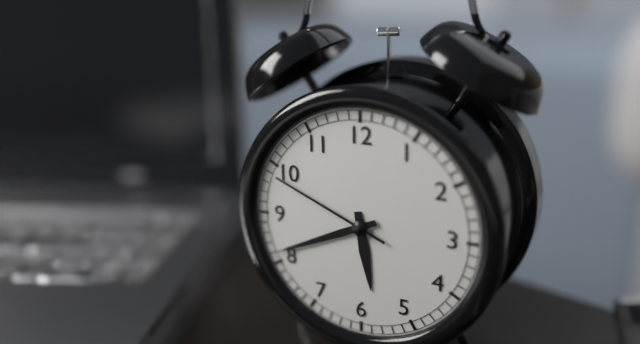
5h41m49s
